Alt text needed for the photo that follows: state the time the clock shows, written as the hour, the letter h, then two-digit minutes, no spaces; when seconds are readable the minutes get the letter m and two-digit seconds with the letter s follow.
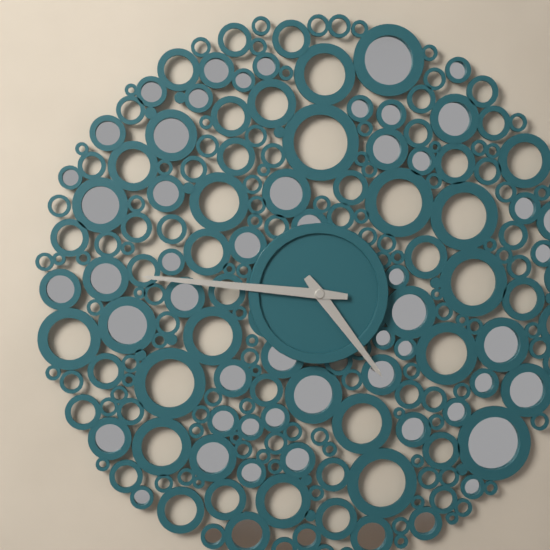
4h46
